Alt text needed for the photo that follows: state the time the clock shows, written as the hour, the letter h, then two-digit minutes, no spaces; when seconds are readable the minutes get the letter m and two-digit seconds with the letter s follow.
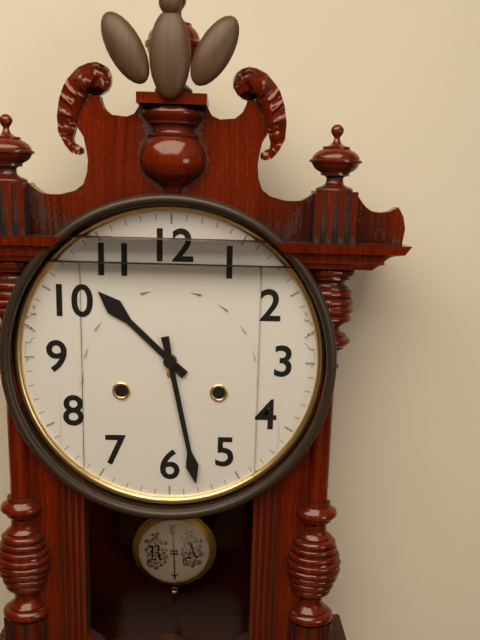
10h28
